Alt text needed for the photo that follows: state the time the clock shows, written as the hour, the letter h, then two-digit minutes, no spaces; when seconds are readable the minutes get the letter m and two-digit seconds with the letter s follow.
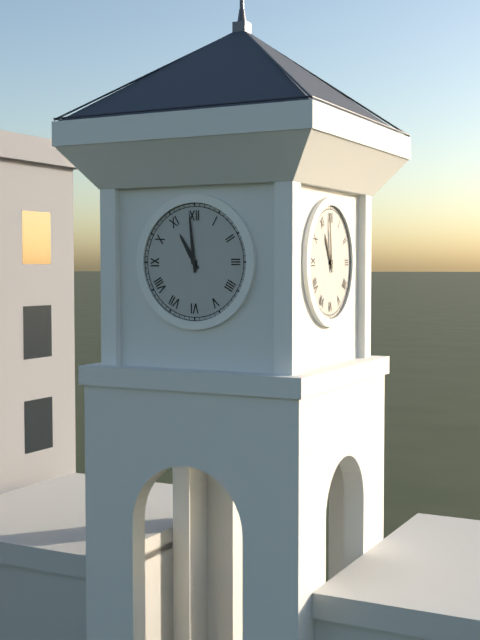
10h59
